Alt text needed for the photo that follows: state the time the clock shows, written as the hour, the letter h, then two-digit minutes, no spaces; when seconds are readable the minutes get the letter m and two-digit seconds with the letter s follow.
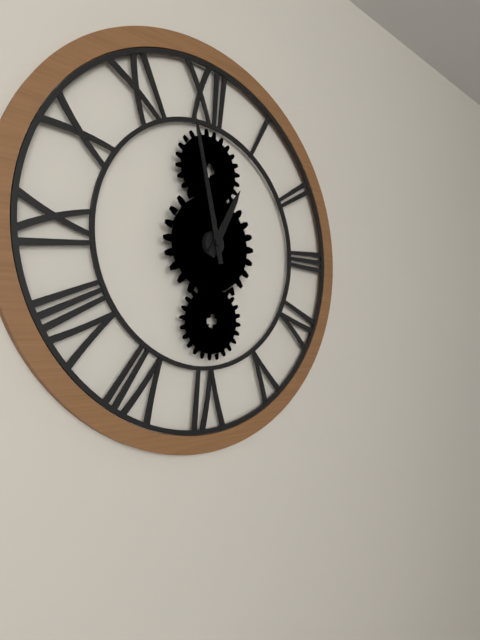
12h58
